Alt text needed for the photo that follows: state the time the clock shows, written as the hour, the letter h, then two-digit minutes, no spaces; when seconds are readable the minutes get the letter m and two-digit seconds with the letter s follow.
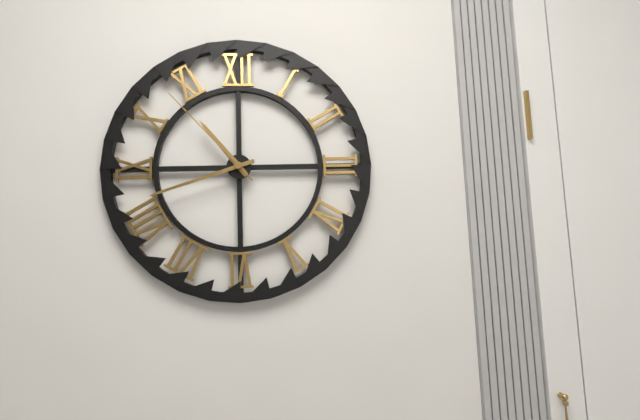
10h42m53s
